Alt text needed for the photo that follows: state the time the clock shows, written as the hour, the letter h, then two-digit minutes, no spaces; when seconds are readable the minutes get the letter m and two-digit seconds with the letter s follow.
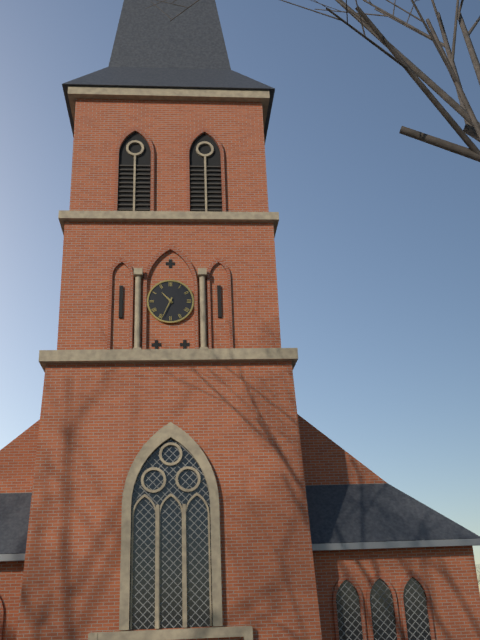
10h34
